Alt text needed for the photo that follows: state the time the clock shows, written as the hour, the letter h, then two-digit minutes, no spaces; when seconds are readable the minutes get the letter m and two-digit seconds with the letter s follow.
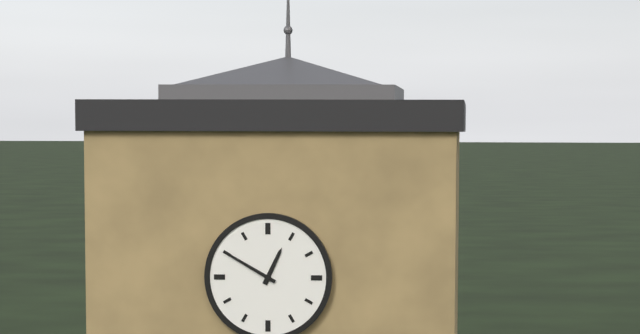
12h50
